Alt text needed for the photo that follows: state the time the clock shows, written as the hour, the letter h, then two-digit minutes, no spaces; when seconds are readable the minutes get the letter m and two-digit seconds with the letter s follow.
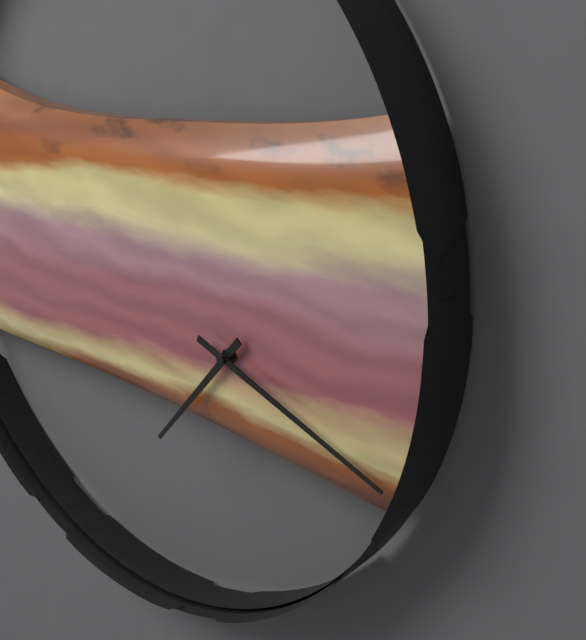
7h18
